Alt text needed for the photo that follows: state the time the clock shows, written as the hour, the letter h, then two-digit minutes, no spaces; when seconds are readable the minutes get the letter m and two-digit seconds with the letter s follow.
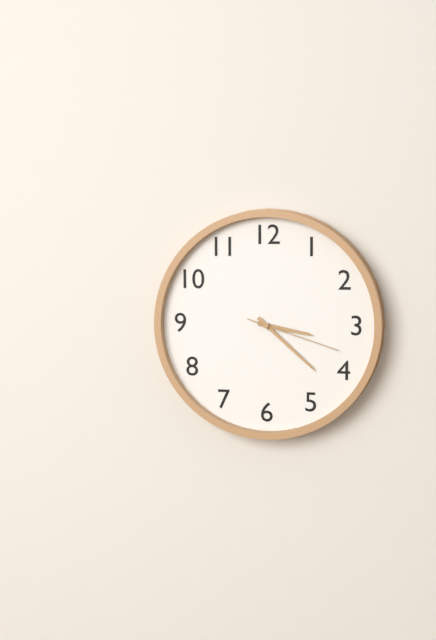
3h22m18s
